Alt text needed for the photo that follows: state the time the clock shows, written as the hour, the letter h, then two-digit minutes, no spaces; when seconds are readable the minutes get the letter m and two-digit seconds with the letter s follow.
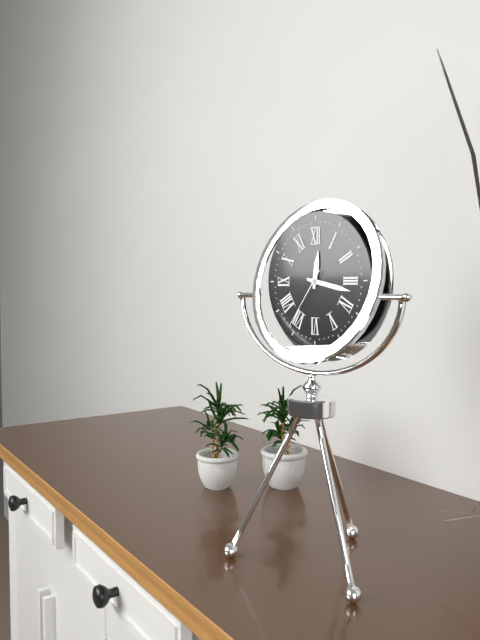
12h17m36s
